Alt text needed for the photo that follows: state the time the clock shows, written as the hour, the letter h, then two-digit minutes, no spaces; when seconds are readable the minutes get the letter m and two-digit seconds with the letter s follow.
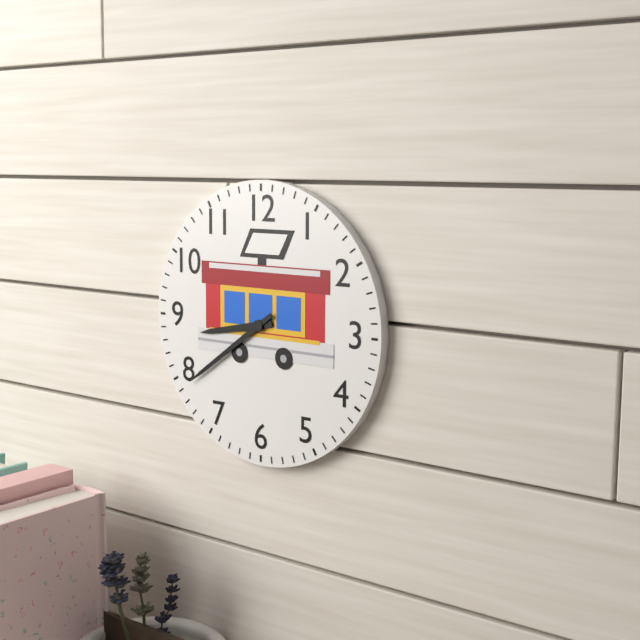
8h39
